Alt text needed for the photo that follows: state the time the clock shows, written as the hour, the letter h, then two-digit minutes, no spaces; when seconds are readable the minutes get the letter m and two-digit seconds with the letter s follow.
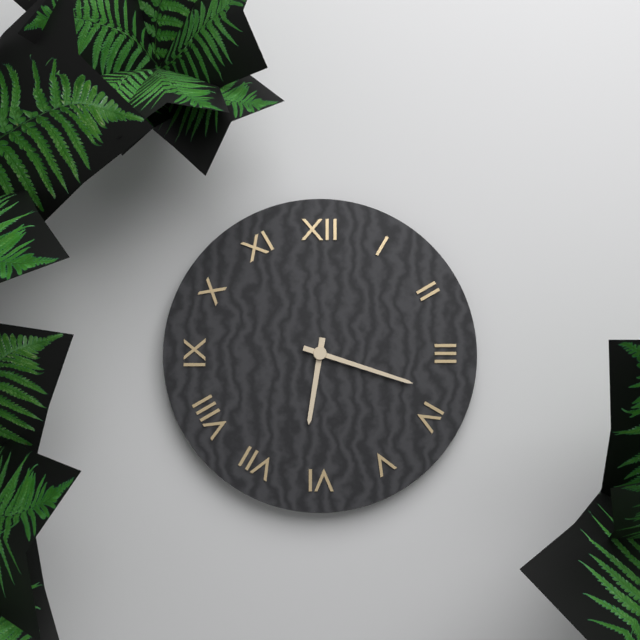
6h18
